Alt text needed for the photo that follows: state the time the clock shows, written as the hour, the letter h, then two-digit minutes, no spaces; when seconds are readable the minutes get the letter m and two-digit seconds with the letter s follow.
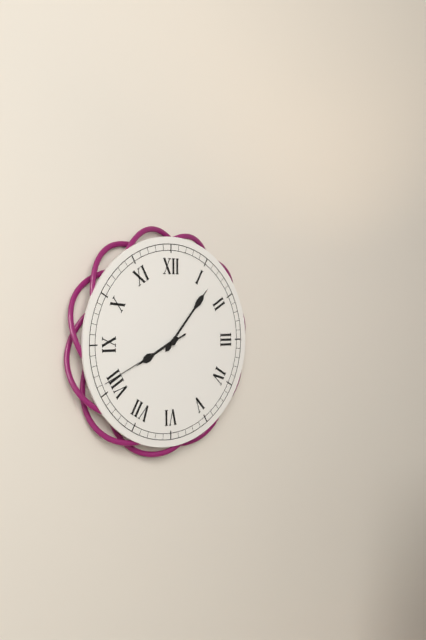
8h07m41s
